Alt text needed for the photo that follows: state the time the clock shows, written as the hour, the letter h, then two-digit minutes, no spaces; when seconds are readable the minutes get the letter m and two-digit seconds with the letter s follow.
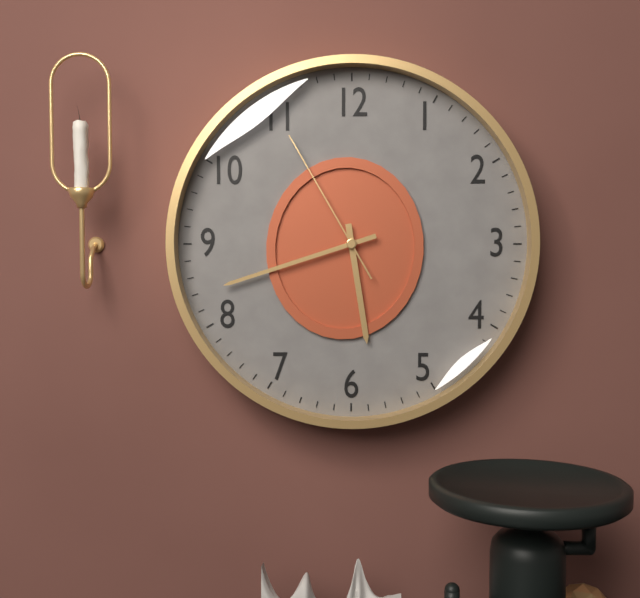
5h42m55s
